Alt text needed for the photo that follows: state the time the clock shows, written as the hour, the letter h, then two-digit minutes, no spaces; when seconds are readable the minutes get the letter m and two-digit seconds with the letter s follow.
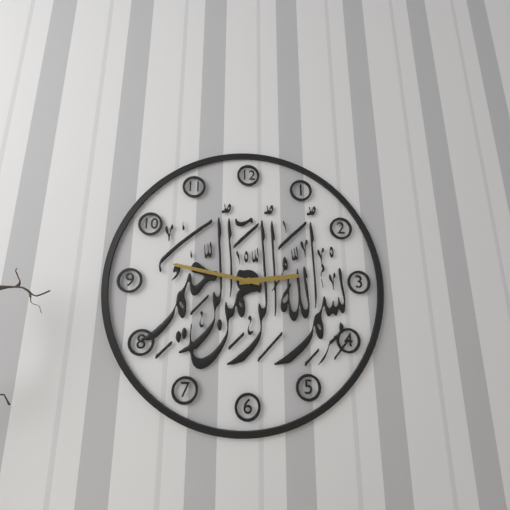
2h47
